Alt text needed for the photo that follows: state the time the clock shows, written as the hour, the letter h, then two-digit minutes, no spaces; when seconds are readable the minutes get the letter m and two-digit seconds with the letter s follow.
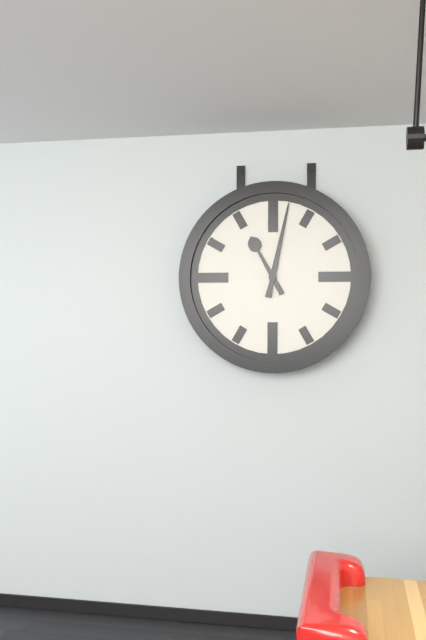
11h02
